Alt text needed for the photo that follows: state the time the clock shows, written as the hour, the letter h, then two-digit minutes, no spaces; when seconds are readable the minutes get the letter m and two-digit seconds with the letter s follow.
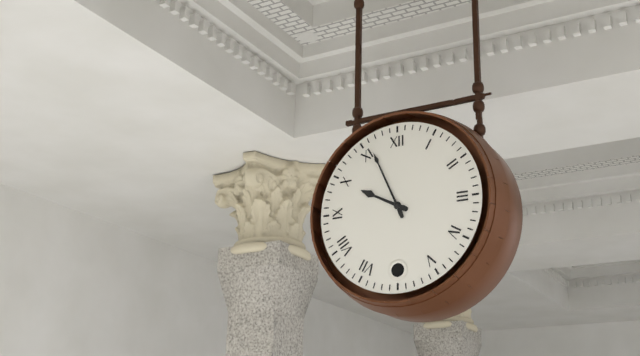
9h56
